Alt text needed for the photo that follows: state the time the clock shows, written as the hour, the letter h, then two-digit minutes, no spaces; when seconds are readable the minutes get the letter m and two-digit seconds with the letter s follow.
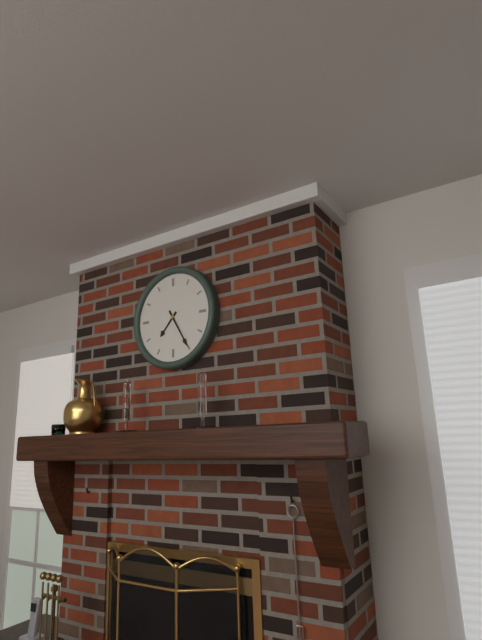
7h25
